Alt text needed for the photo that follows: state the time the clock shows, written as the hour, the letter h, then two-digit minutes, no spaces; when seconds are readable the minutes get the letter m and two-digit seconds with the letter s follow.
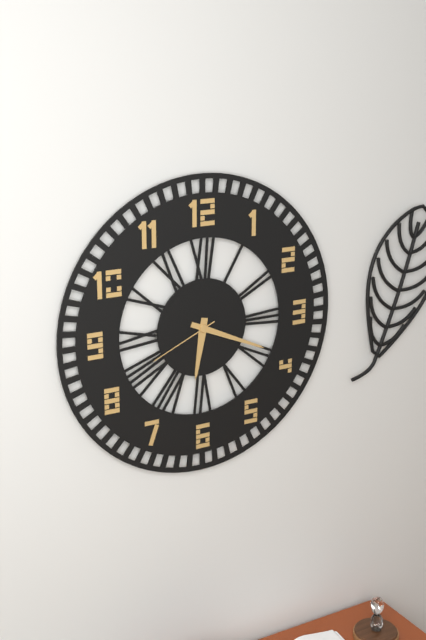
6h19m41s
